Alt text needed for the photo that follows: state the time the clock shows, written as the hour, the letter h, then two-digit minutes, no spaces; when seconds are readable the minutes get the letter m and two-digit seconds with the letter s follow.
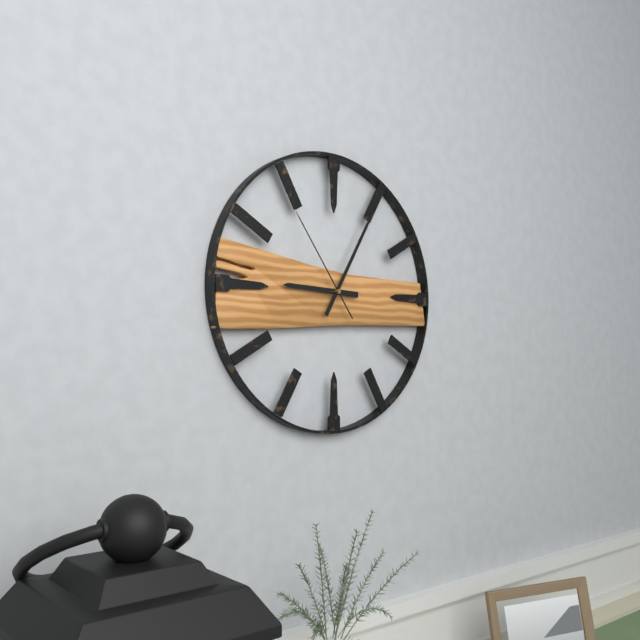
9h05m54s
